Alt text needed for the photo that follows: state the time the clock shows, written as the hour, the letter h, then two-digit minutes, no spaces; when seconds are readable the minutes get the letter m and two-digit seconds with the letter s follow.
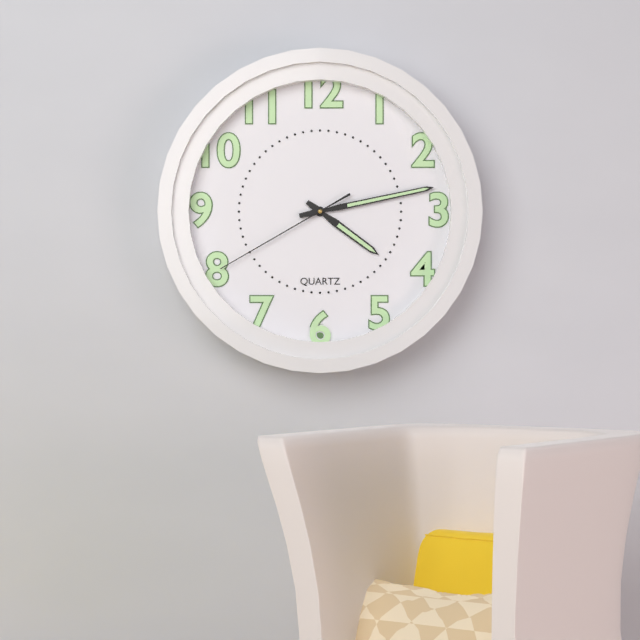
4h13m40s
